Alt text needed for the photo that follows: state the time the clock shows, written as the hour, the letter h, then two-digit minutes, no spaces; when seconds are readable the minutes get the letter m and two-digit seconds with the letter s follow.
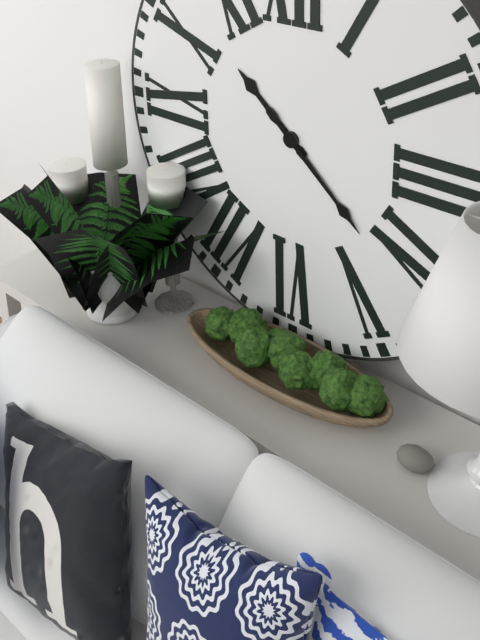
10h22
